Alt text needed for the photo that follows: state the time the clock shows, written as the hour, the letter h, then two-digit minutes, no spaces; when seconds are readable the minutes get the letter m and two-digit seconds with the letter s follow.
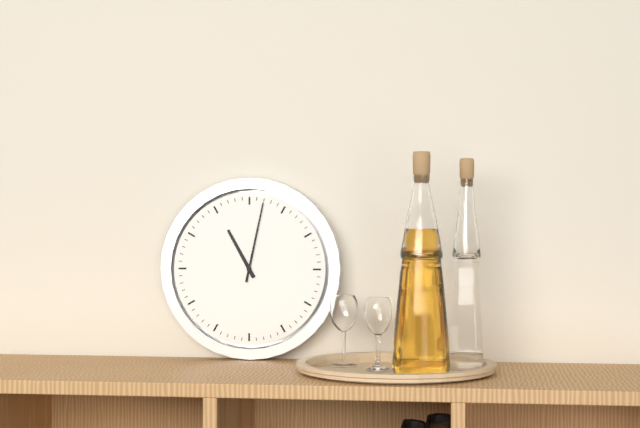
11h02
